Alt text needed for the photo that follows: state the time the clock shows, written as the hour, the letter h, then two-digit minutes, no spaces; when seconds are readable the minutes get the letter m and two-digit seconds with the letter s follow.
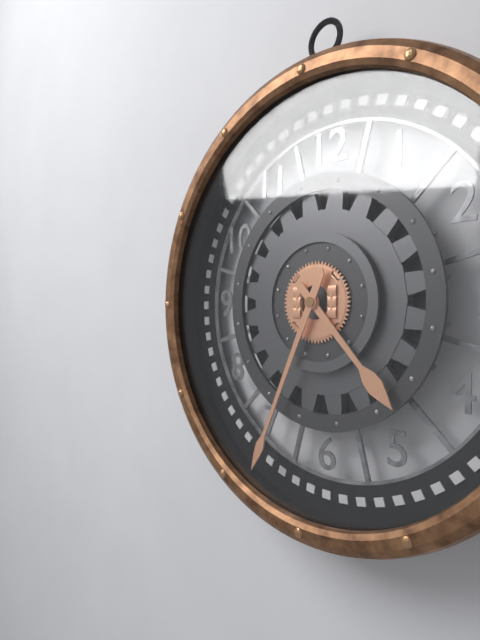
4h34
